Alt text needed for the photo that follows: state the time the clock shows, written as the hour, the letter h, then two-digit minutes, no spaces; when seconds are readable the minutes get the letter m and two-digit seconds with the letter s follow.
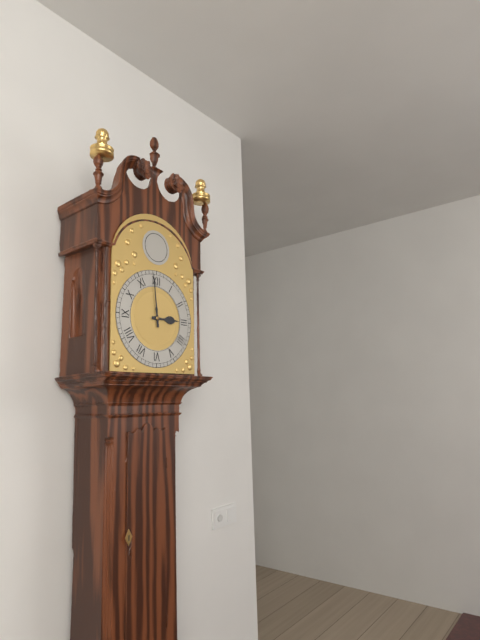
2h59
